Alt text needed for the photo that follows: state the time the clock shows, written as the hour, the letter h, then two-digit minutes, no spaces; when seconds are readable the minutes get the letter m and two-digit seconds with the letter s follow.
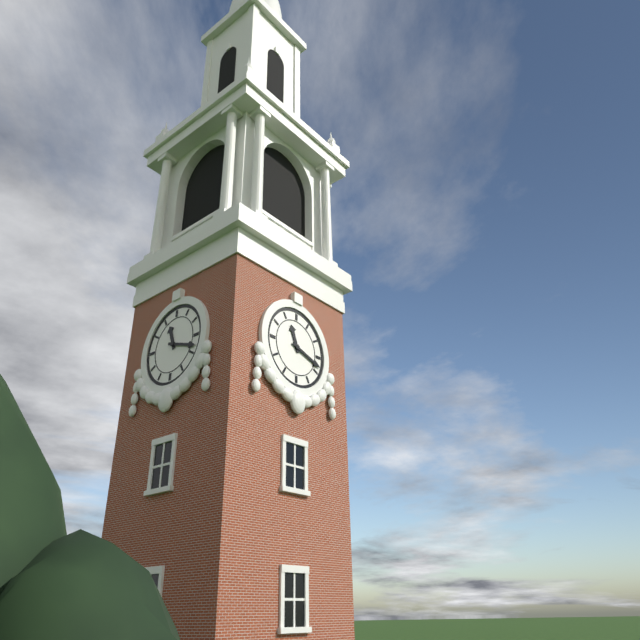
11h18
